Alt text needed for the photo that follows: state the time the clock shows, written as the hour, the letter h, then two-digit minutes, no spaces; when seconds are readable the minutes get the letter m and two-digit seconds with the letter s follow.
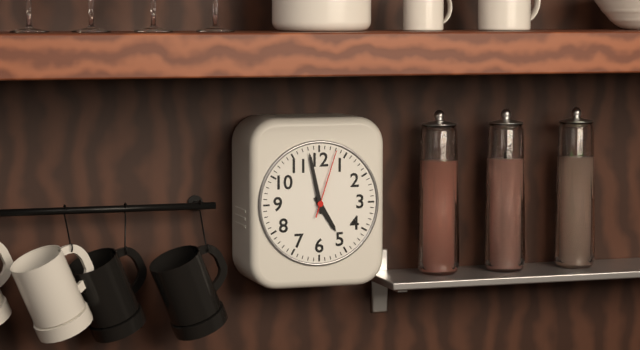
4h58m03s
